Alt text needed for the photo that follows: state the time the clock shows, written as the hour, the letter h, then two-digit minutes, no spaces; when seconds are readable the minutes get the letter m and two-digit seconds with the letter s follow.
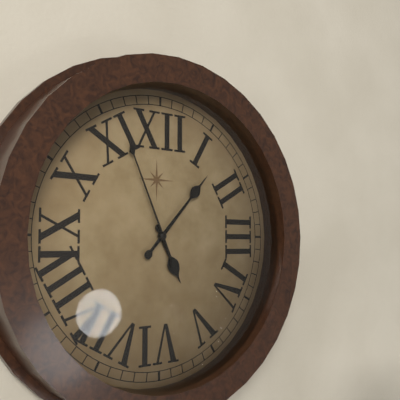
5h07m56s
